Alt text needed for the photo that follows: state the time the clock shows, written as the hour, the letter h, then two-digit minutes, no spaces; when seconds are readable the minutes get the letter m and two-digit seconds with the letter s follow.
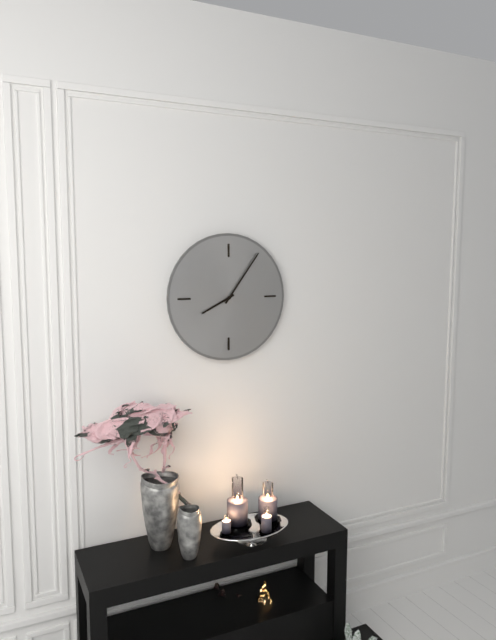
8h06
